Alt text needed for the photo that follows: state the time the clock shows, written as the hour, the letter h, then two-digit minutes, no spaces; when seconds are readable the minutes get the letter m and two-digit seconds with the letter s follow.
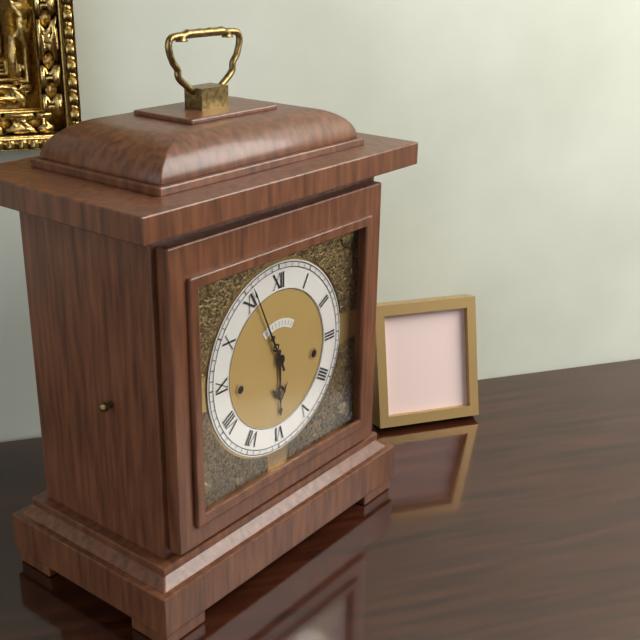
5h56
